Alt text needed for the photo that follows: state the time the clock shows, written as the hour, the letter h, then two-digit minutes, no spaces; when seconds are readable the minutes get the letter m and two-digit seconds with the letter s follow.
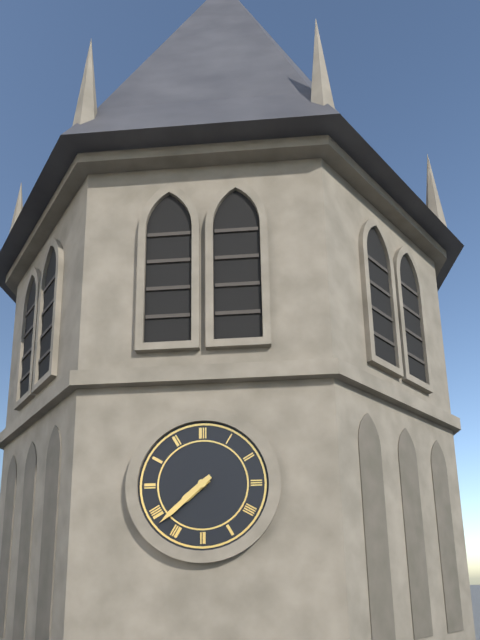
7h38
